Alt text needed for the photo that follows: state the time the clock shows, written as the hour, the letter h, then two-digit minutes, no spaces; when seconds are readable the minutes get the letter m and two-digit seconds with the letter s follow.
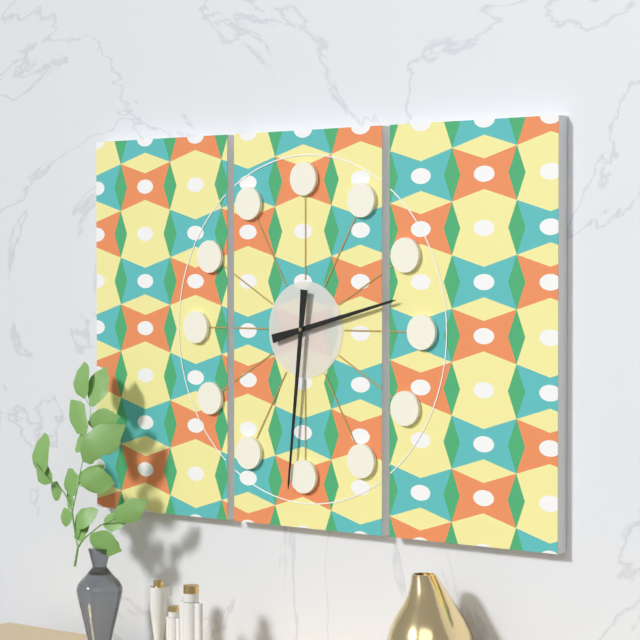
2h31
